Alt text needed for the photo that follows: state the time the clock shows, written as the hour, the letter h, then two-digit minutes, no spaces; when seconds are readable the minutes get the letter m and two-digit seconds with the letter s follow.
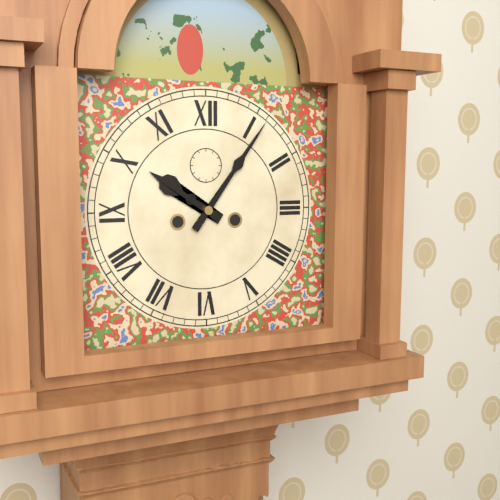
10h06
